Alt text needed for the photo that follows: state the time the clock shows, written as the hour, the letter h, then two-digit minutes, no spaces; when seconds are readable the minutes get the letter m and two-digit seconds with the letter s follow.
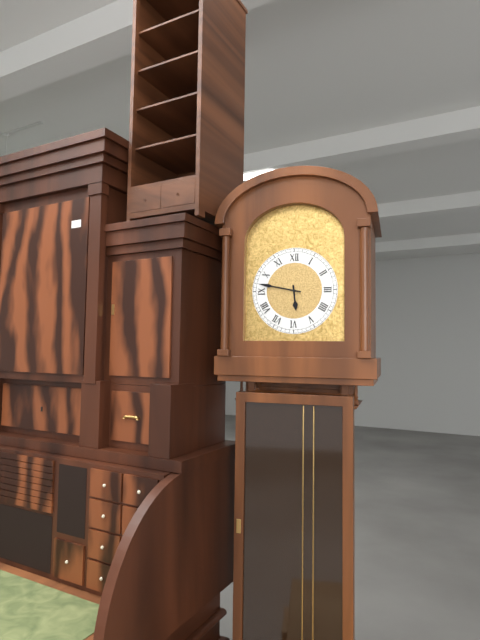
5h47
